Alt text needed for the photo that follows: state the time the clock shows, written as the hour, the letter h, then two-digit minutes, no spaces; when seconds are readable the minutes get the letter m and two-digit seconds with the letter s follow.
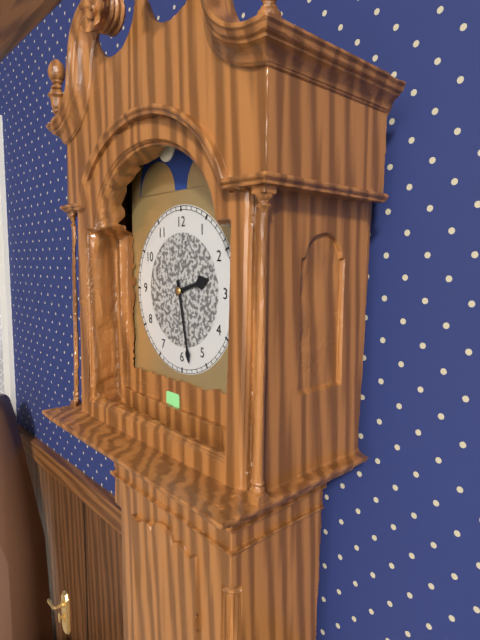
2h28
